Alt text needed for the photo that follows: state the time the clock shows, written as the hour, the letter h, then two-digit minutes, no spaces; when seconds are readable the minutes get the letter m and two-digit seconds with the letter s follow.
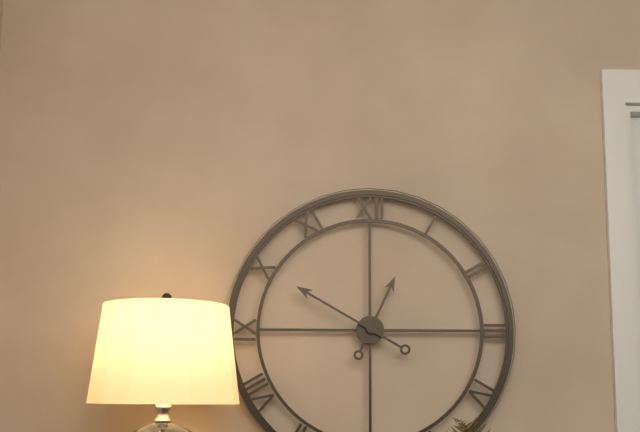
12h50
